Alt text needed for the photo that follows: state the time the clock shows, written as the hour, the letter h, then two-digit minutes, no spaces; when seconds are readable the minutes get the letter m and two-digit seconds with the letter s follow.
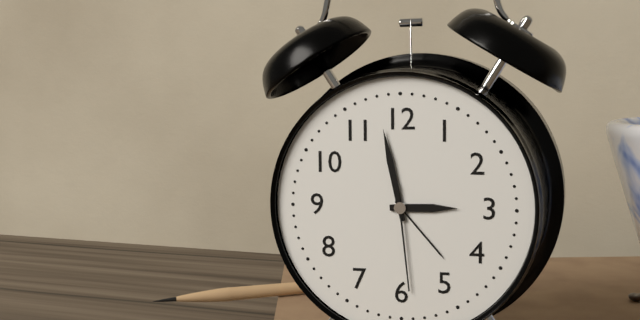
2h58m29s
